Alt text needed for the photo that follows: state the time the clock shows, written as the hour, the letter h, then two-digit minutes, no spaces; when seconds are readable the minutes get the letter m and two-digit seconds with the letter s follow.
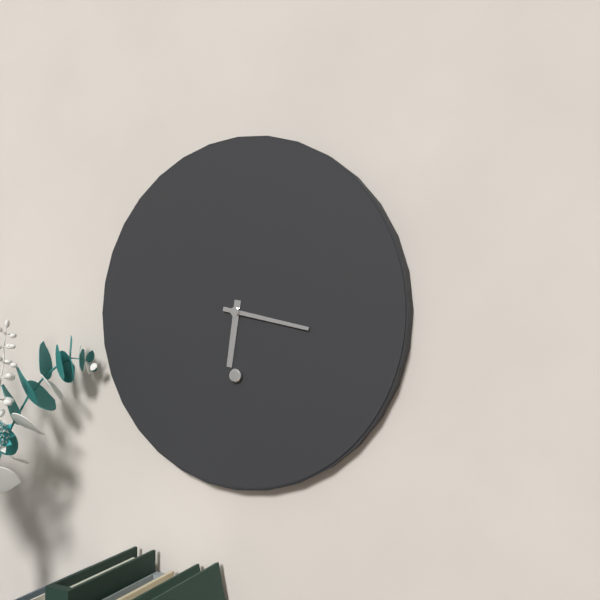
6h17
